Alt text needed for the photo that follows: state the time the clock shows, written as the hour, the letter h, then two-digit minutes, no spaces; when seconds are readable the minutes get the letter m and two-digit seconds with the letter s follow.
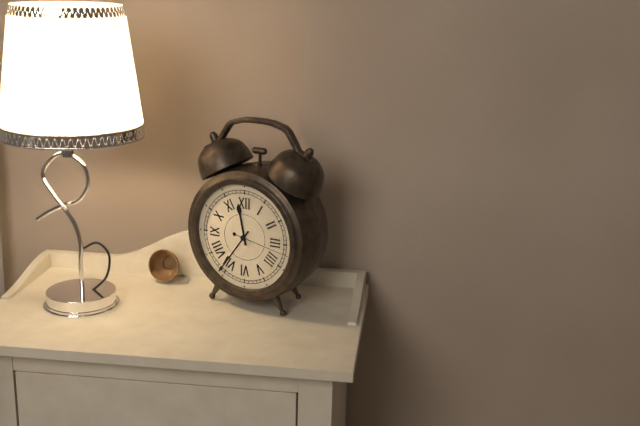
11h36m17s
